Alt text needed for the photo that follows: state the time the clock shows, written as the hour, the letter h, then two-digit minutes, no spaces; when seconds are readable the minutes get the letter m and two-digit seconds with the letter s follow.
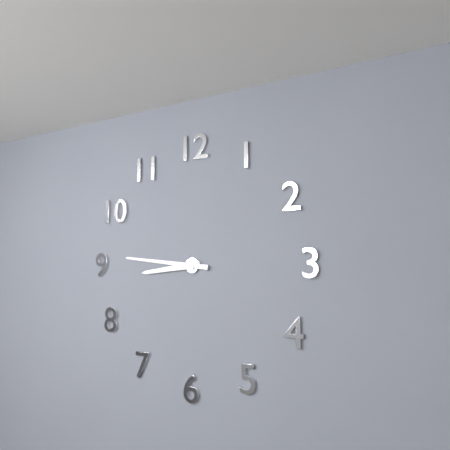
8h46
